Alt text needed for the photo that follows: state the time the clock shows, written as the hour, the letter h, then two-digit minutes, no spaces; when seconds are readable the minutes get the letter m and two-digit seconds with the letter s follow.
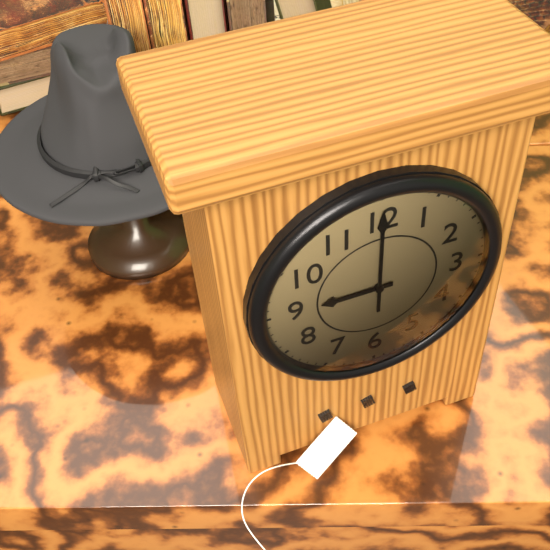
9h00
